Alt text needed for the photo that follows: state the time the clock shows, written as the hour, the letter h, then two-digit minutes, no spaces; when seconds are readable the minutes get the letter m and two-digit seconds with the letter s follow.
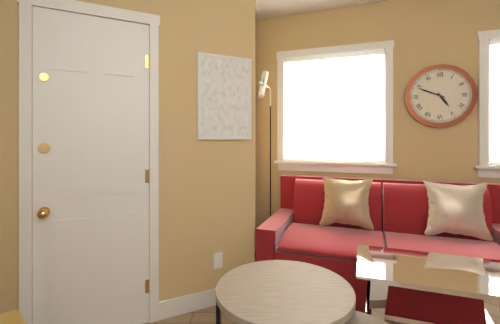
4h49
